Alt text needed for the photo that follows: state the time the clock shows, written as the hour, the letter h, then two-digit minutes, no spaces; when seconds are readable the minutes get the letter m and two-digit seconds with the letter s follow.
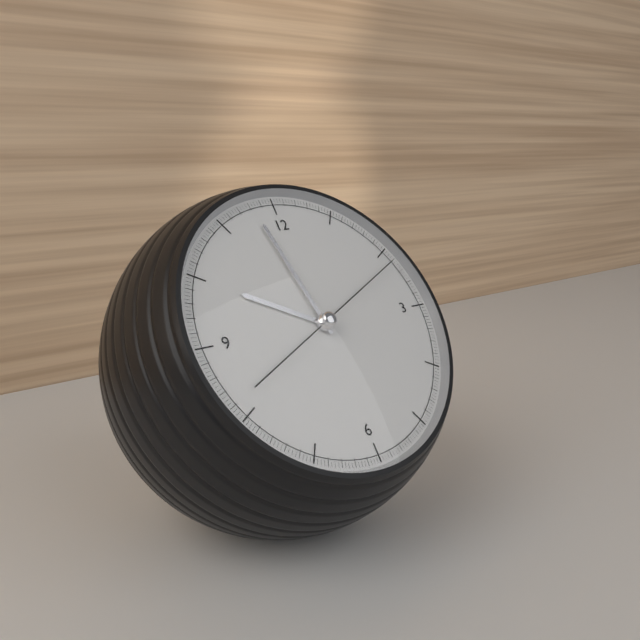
9h58m11s
